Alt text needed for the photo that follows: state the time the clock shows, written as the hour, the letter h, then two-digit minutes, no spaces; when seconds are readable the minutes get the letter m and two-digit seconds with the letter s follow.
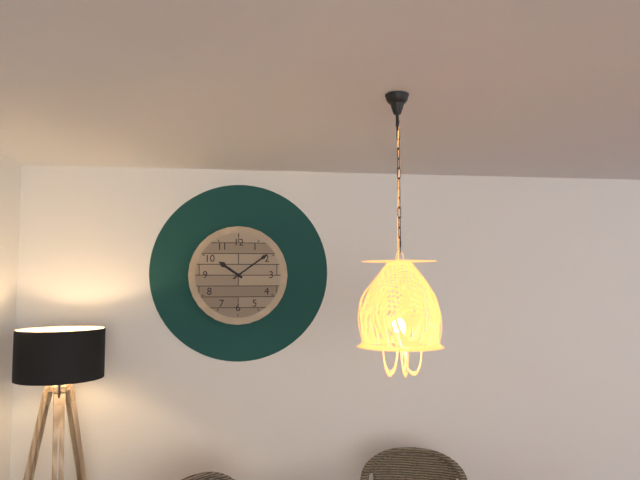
10h09
